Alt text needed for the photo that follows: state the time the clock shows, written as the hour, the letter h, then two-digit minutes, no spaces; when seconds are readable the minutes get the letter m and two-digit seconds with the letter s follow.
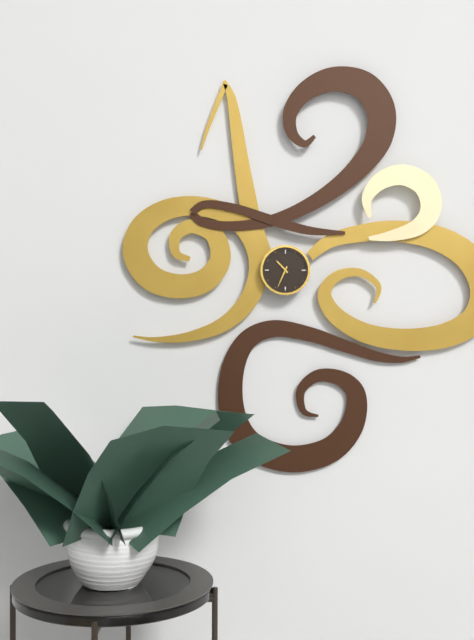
10h34
